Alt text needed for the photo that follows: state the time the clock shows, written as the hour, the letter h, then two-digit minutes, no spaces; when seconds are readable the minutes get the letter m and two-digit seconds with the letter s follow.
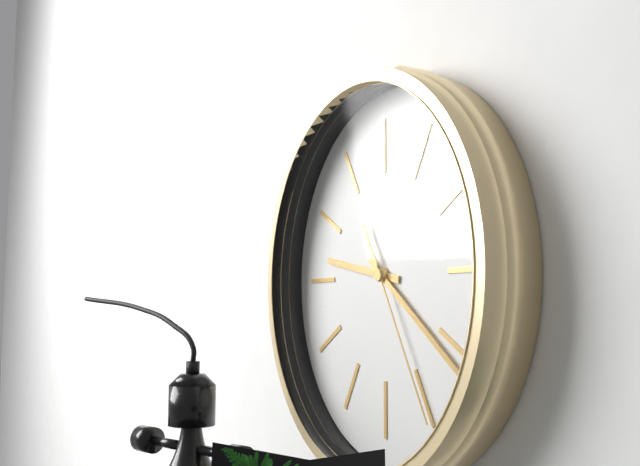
9h21m25s
